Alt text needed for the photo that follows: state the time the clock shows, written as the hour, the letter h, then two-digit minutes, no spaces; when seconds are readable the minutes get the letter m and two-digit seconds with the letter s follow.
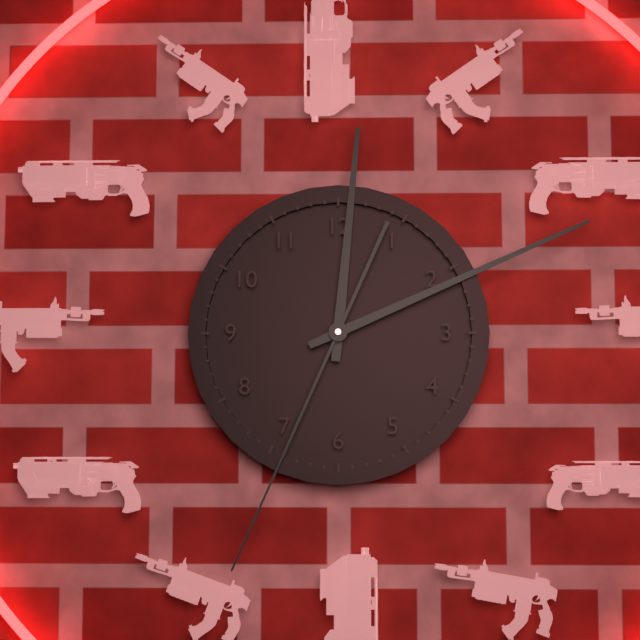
12h11m34s
